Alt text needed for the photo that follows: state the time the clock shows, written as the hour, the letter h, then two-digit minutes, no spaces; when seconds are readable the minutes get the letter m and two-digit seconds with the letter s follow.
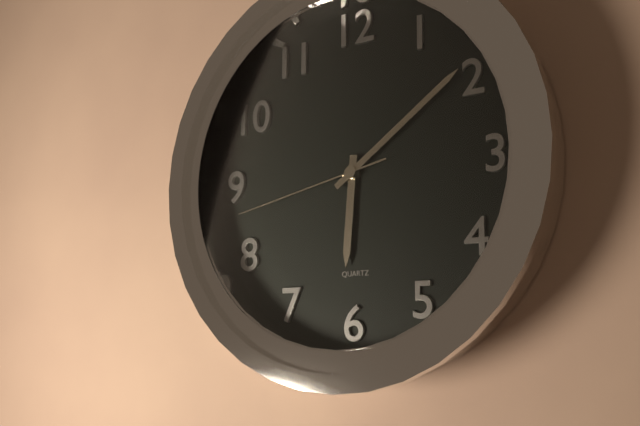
6h09m43s
